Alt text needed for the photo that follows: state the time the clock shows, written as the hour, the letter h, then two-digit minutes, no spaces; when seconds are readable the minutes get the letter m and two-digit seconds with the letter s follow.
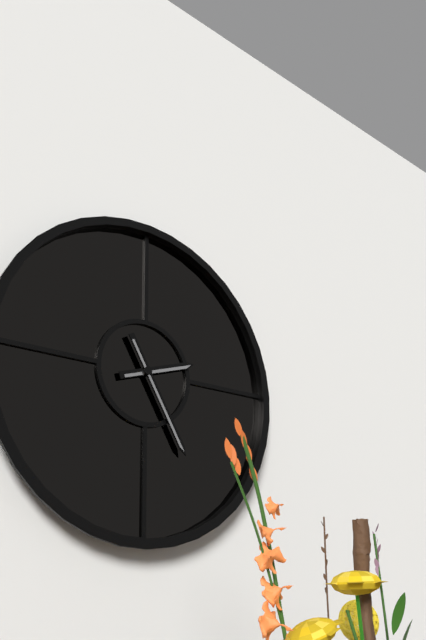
2h25
